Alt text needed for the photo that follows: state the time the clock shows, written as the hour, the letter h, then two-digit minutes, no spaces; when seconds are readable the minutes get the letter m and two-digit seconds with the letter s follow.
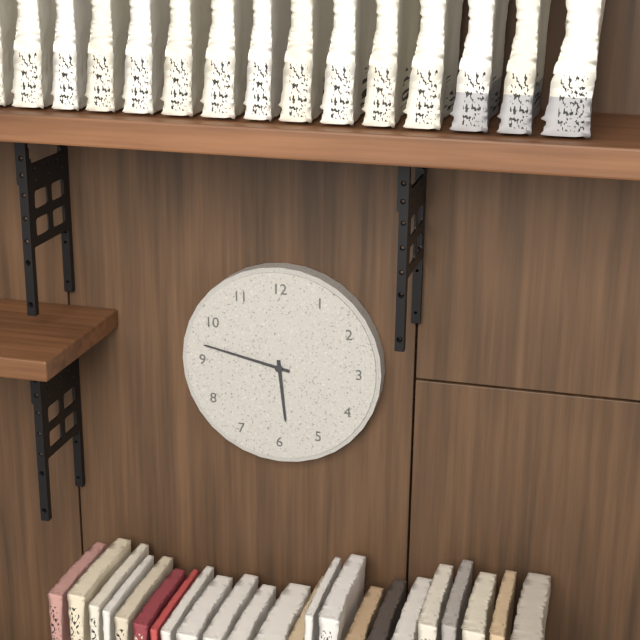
5h47
